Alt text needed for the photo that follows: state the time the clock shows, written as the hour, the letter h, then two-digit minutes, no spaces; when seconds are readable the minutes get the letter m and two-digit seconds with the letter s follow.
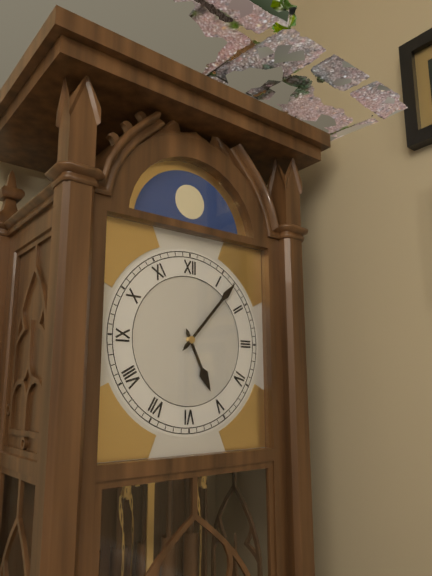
5h07
